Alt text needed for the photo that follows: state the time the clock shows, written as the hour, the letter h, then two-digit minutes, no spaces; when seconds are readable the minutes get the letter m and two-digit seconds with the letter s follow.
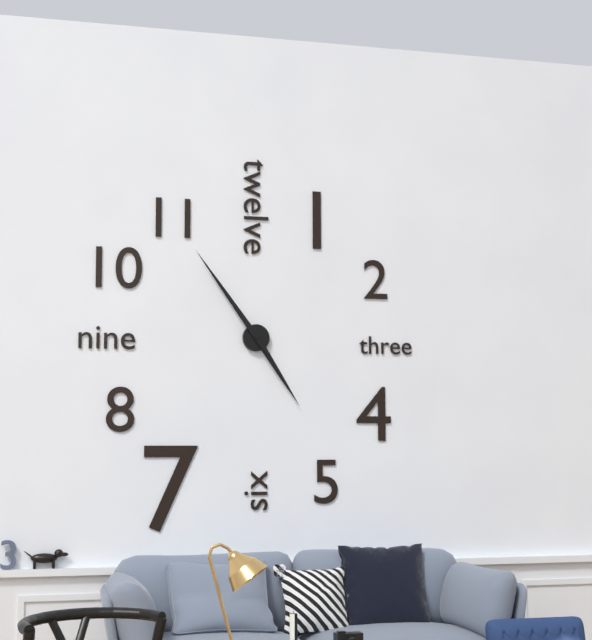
4h54
